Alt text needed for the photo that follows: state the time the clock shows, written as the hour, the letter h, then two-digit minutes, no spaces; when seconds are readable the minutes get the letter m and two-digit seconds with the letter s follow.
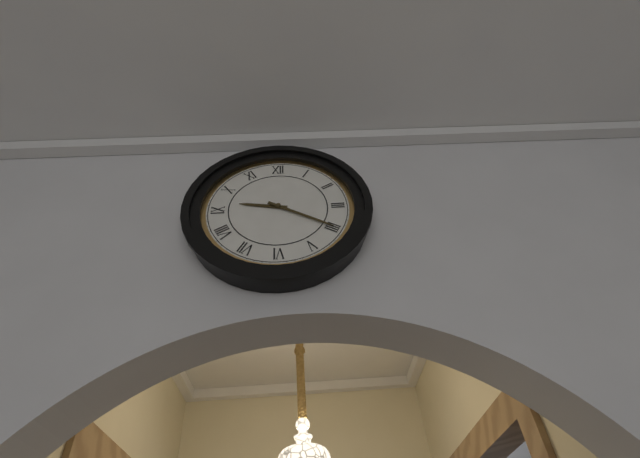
9h20
